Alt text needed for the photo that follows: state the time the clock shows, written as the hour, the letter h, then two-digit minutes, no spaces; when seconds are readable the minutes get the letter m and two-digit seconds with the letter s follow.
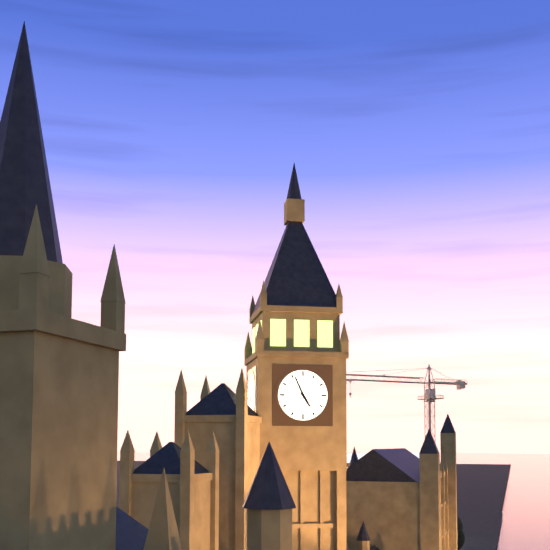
4h56
